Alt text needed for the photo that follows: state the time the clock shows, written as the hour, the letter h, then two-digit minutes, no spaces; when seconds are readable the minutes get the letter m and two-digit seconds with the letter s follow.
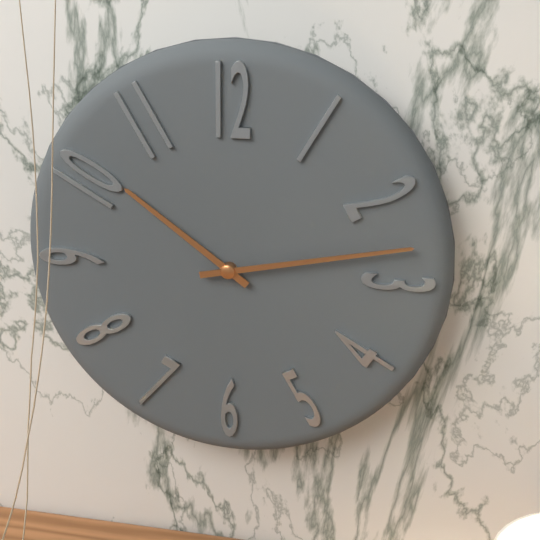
10h13
